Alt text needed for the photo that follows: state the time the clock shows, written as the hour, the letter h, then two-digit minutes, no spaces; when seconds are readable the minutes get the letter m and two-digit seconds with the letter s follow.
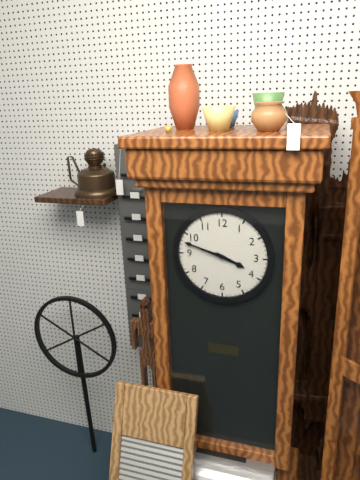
3h48
